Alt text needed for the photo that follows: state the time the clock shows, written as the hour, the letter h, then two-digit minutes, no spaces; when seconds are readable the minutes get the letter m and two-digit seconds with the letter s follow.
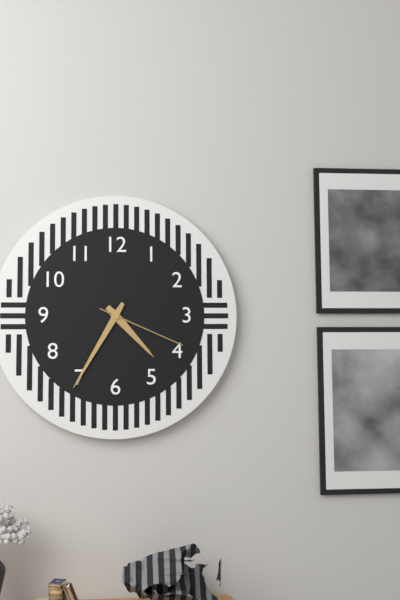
4h35m19s
